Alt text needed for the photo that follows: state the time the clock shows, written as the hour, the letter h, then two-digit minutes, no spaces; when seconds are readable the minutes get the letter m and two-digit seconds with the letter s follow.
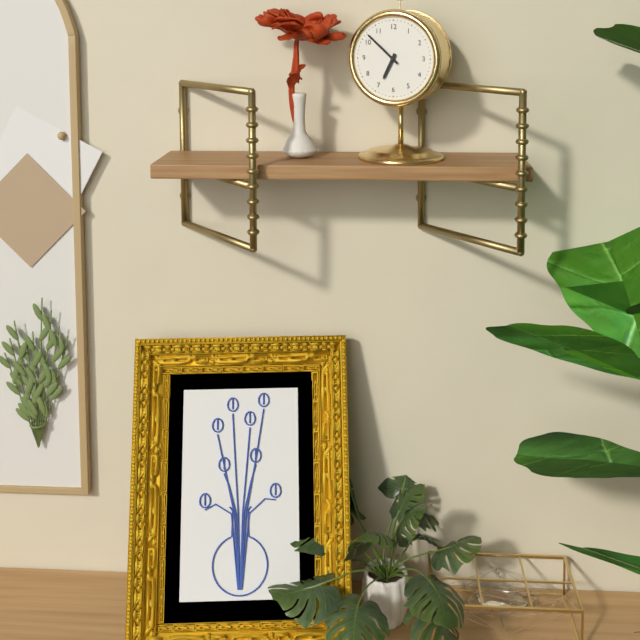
6h52
